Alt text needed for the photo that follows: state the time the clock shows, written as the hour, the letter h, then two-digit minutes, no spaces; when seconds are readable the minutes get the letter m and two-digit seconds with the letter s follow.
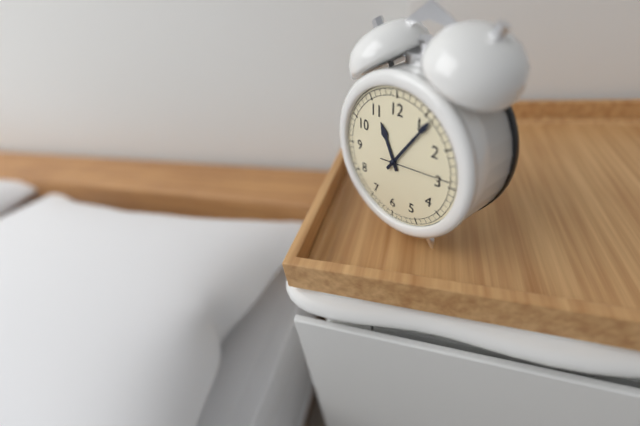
11h06m14s
